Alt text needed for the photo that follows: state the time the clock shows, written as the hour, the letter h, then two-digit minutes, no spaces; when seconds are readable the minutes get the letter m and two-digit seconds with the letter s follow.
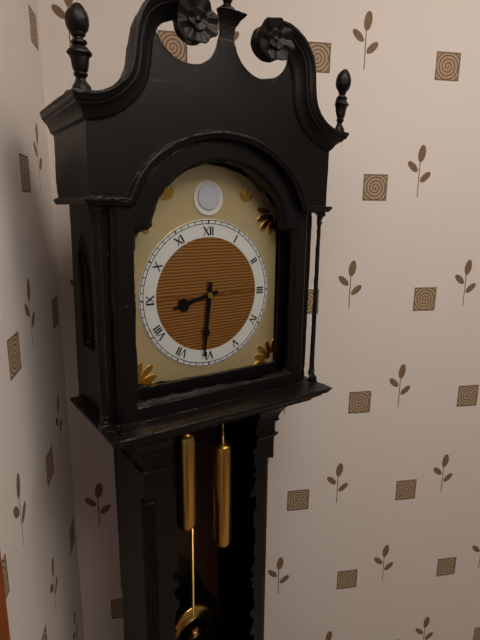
8h31
